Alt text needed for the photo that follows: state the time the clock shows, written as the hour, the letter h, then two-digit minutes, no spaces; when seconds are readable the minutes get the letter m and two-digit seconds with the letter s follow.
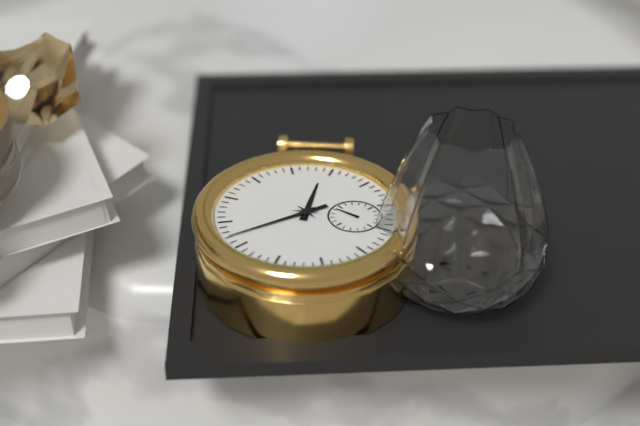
1h47
